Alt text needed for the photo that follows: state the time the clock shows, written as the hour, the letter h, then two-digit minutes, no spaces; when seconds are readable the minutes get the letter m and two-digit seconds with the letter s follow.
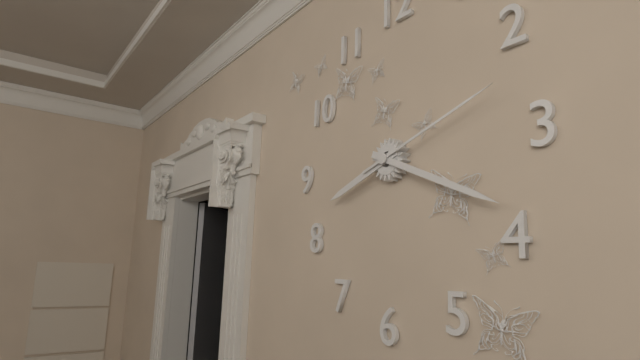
8h19m12s
